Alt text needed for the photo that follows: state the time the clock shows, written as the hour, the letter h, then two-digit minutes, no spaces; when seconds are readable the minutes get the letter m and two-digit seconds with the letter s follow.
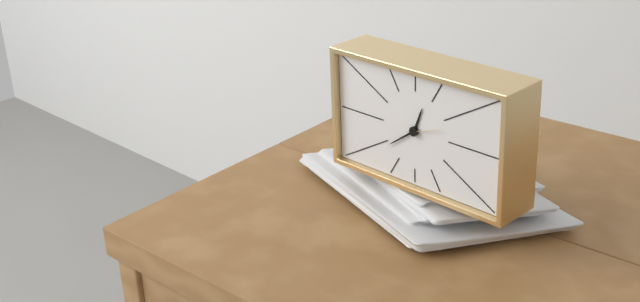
12h39
